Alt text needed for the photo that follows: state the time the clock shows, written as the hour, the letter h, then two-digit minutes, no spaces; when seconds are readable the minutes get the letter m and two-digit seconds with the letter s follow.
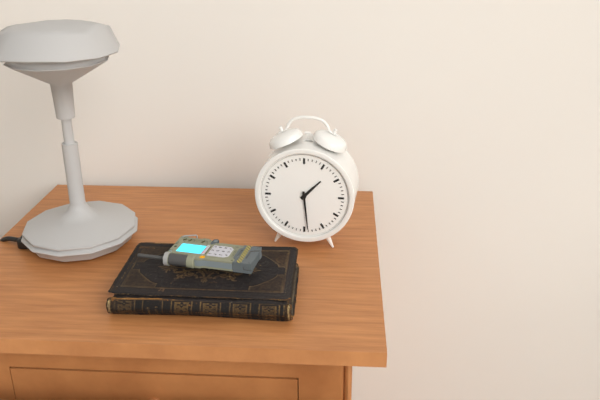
1h29
